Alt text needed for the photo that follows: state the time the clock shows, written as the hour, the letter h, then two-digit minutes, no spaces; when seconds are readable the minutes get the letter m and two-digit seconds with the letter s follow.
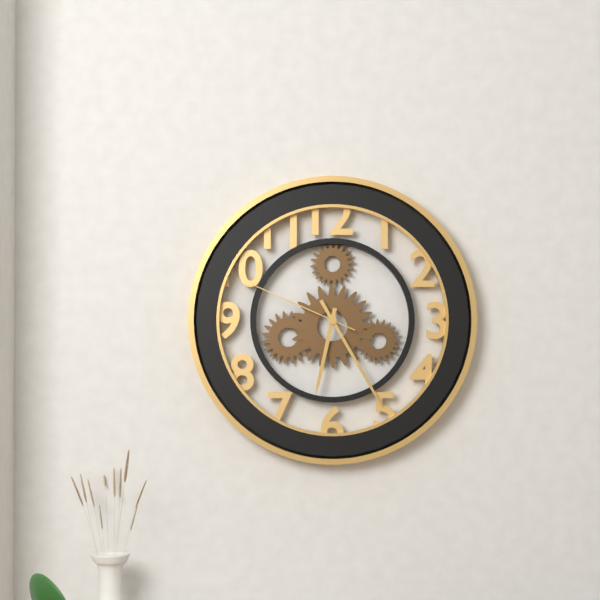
6h25m49s
